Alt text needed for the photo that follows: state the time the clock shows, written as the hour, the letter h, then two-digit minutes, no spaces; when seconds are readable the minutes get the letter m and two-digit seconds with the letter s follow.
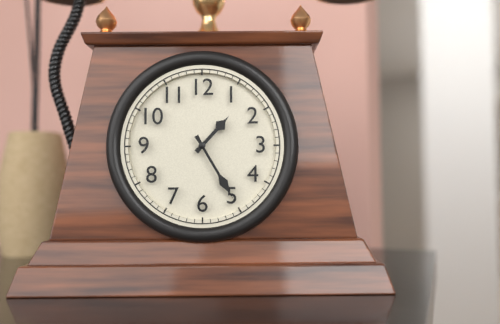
1h25
